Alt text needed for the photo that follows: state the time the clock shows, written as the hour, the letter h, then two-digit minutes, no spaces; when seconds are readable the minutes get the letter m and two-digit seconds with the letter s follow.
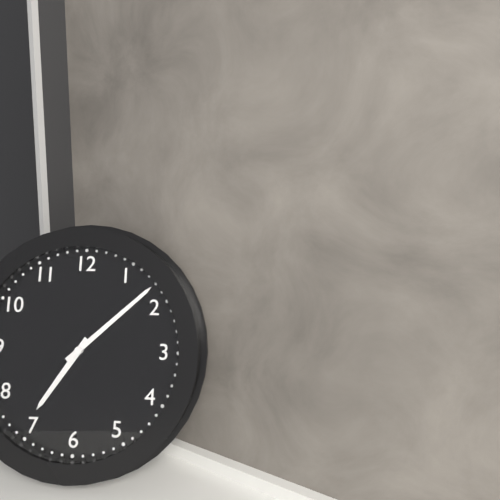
7h08
